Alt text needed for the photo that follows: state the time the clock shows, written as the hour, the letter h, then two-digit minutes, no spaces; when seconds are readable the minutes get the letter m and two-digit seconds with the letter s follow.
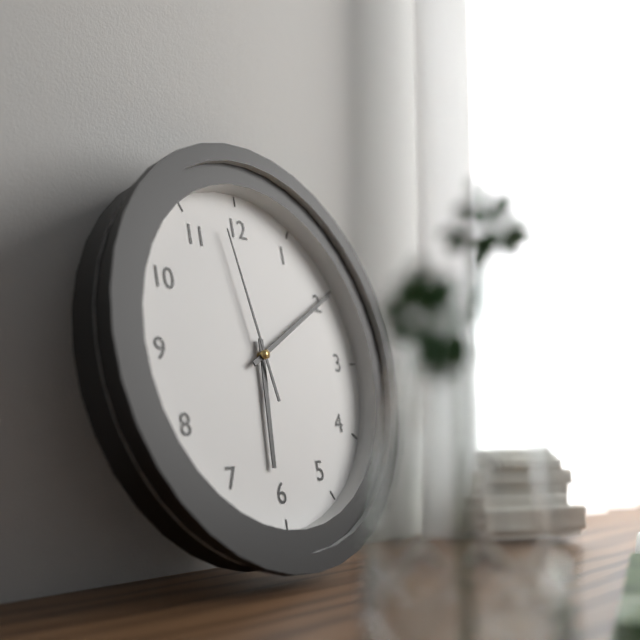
6h10m58s
